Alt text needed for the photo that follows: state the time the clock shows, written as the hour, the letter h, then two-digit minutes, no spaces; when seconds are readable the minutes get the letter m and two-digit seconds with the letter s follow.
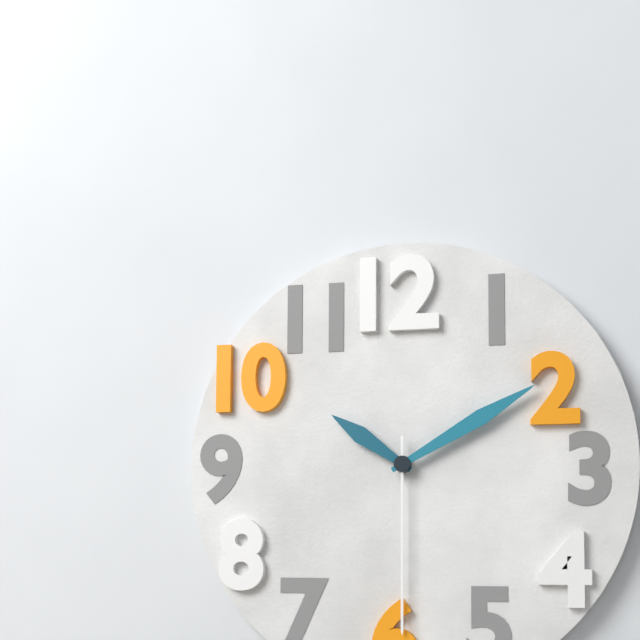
10h10m30s
